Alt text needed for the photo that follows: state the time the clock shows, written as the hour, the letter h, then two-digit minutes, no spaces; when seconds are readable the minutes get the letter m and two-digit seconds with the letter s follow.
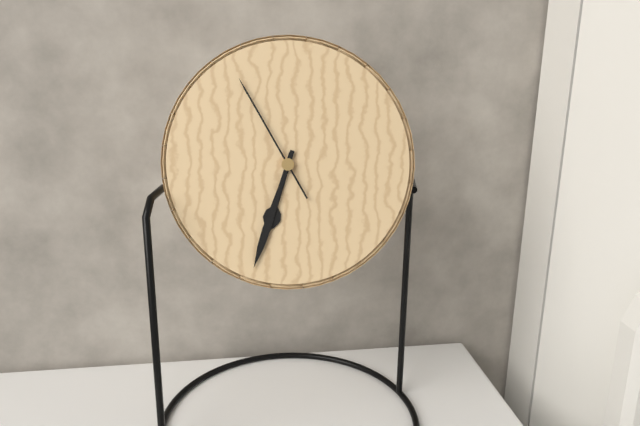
6h33m55s
